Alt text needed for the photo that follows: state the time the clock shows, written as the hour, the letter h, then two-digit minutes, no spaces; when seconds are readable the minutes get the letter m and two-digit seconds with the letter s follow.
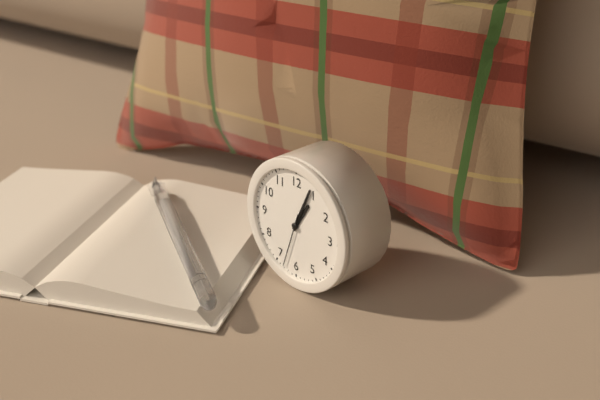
1h04m33s
